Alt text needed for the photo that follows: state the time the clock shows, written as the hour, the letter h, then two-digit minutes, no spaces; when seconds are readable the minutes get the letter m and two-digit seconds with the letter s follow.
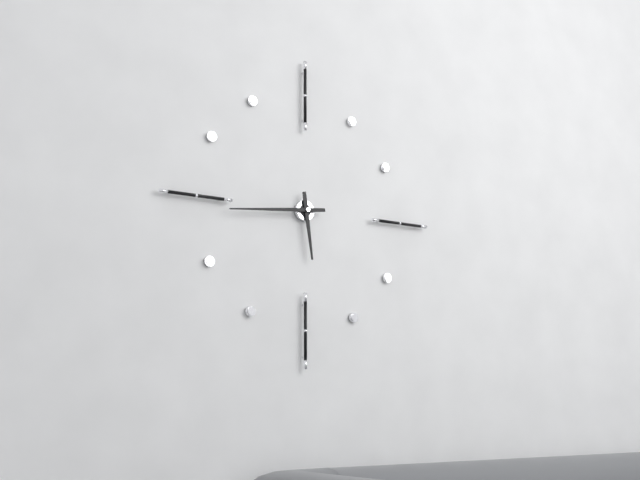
5h44
